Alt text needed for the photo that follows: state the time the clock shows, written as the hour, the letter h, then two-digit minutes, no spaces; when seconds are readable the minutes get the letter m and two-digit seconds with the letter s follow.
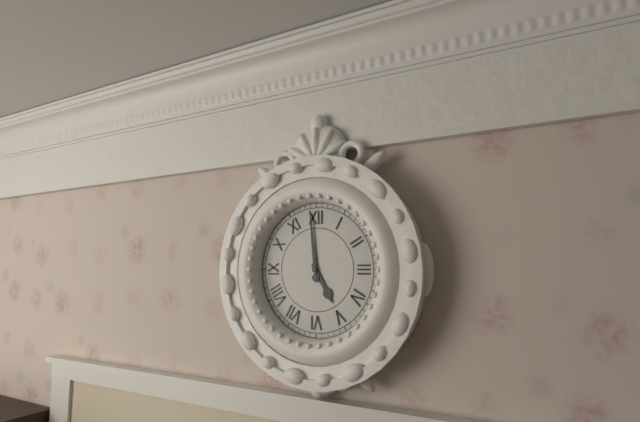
4h59
